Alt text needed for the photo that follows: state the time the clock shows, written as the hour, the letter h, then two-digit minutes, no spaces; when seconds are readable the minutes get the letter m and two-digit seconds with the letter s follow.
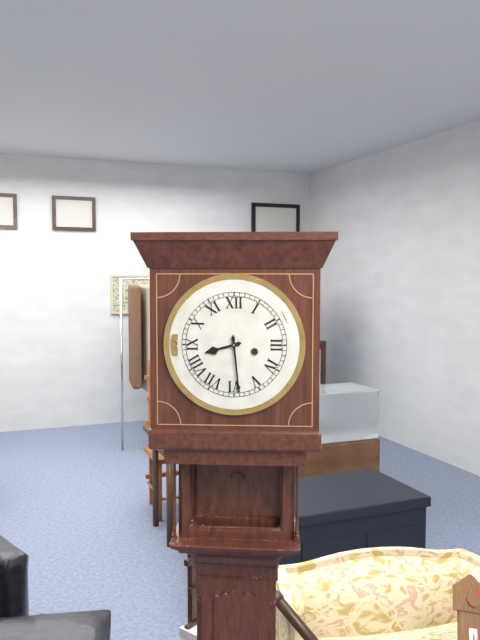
8h29
